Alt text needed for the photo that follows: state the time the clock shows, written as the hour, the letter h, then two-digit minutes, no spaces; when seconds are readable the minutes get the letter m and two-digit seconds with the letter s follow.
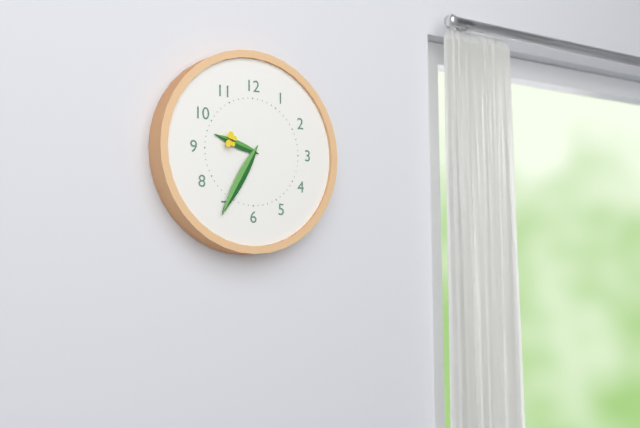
9h35
